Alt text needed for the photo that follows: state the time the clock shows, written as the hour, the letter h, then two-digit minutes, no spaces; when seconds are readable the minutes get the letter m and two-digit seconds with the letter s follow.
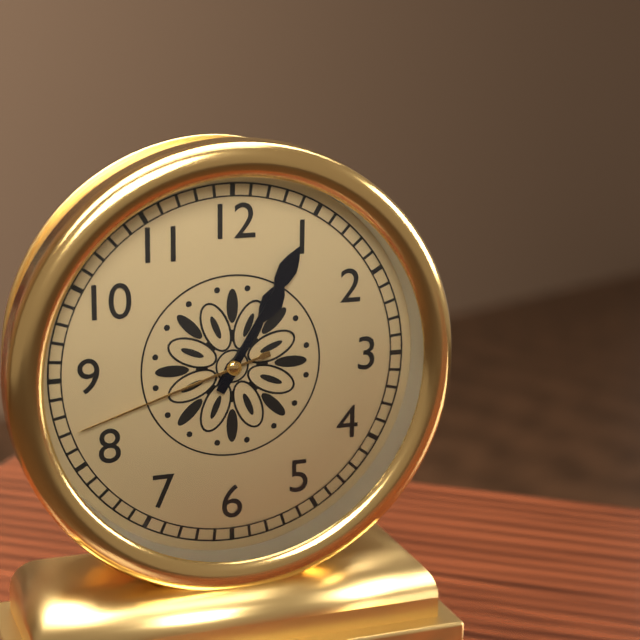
1h05m42s
